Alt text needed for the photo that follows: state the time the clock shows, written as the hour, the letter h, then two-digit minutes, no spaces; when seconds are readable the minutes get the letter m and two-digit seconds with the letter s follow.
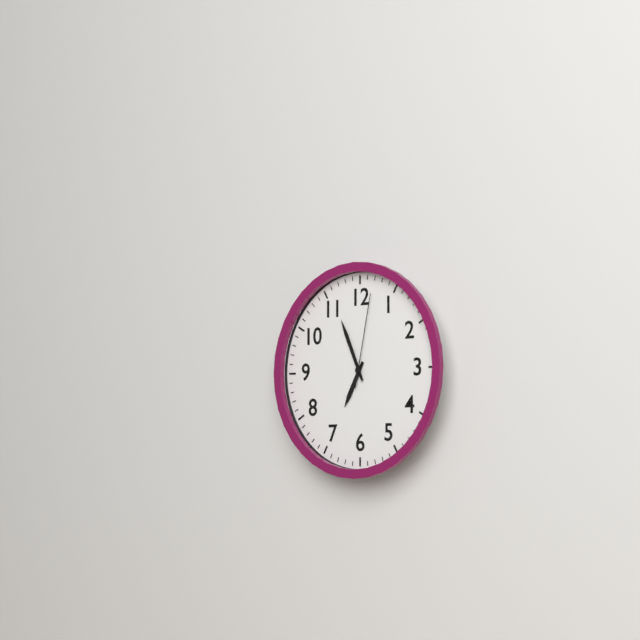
6h56m02s
